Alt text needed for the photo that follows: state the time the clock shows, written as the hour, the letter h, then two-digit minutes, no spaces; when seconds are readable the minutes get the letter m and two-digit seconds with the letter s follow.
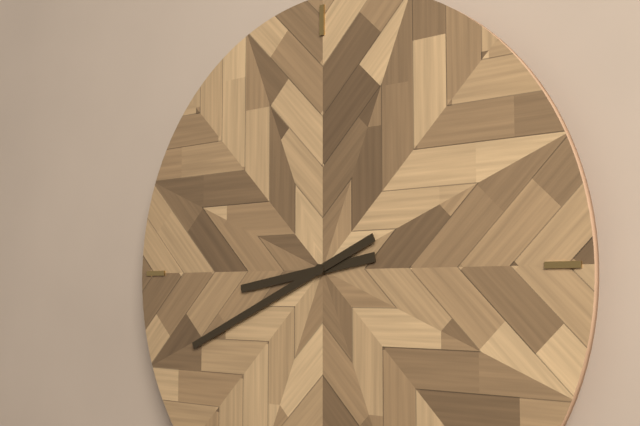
8h41
